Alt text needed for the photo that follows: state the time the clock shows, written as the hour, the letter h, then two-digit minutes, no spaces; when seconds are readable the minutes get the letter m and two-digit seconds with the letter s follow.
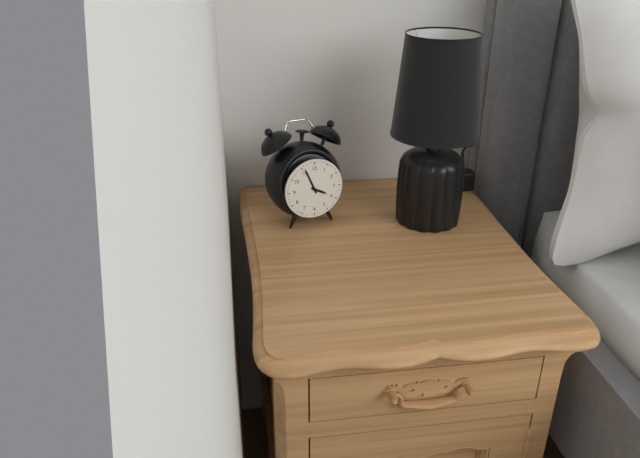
3h56
